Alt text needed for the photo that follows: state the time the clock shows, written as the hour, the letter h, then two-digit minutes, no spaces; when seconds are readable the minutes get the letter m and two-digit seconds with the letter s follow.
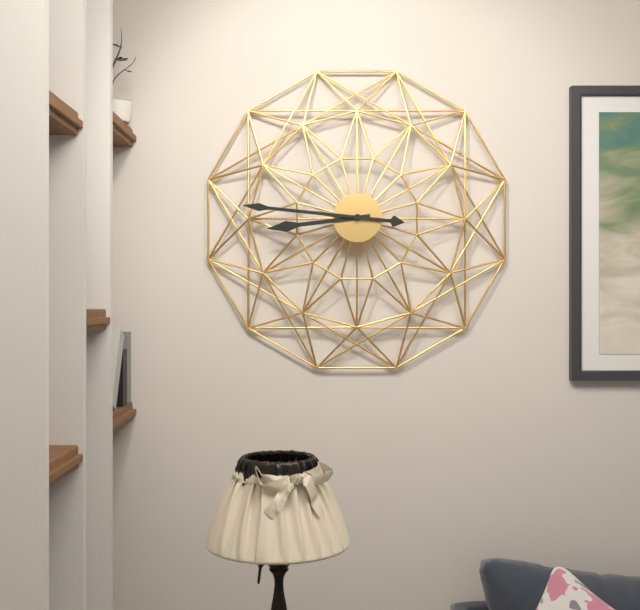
8h46
